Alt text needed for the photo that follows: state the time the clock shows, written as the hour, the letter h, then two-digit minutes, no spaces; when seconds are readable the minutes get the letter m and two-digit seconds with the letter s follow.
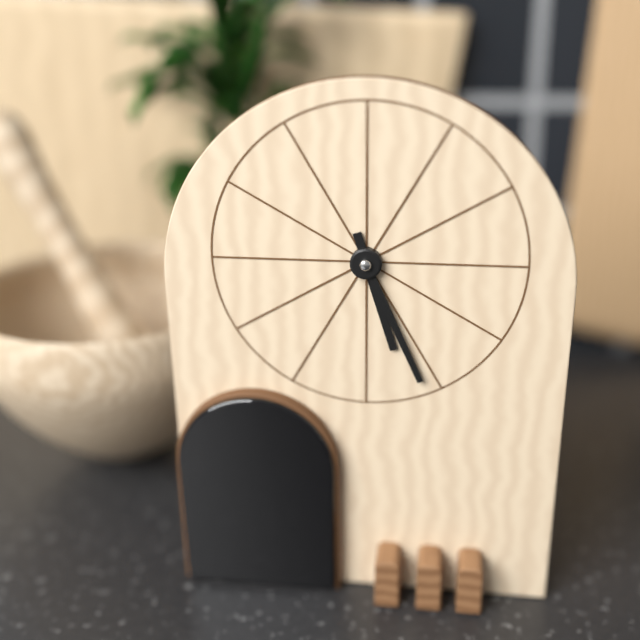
5h26
